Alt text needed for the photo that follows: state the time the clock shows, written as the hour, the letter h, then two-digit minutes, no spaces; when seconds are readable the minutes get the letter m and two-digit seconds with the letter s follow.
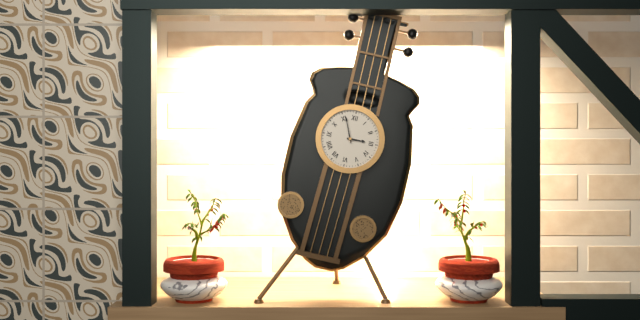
2h56
